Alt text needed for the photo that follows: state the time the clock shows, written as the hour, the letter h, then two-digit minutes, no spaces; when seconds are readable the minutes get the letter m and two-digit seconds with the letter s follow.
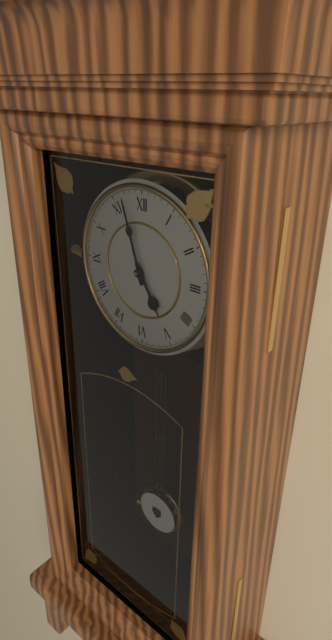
4h57
